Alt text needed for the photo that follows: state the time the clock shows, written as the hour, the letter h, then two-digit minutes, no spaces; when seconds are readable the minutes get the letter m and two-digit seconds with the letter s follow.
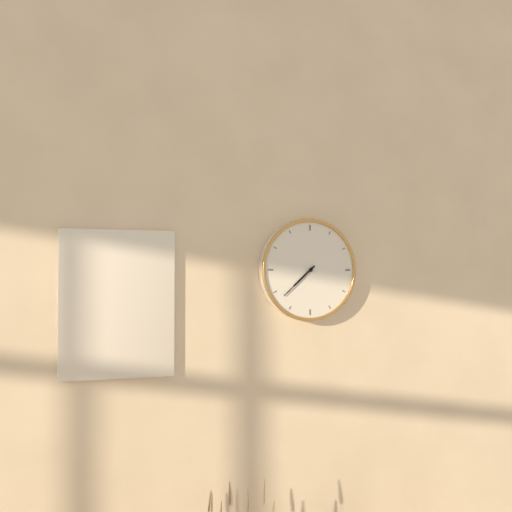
7h38
